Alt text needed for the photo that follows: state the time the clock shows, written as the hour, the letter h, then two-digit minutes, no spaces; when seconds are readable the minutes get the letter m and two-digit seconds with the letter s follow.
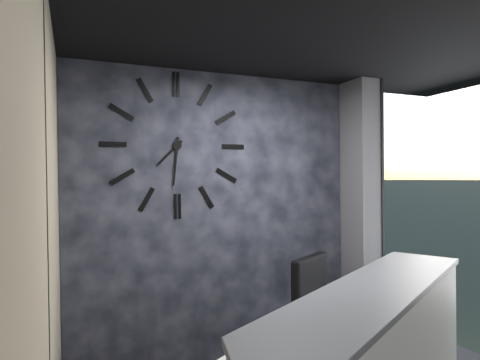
7h31
